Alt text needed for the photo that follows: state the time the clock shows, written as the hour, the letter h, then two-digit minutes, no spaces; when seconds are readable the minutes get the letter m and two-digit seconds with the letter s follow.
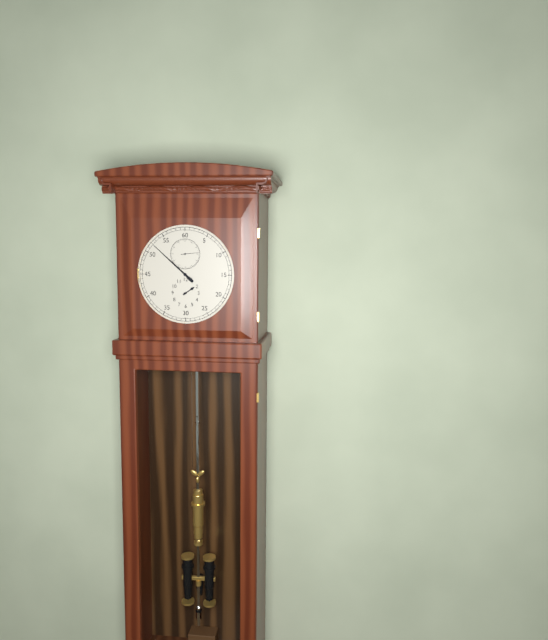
1h52
